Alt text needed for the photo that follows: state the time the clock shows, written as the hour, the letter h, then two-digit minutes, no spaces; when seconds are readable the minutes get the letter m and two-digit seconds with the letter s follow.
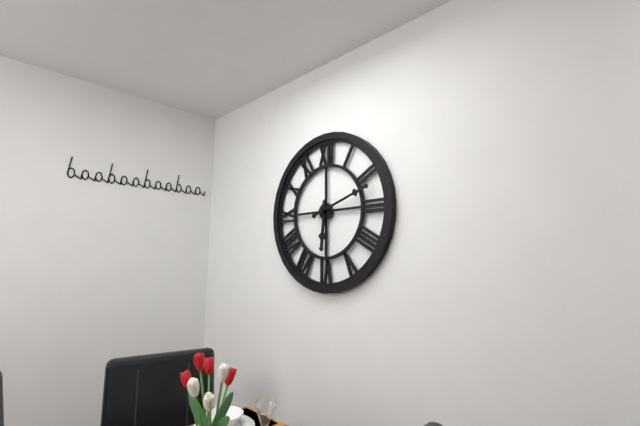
6h12
